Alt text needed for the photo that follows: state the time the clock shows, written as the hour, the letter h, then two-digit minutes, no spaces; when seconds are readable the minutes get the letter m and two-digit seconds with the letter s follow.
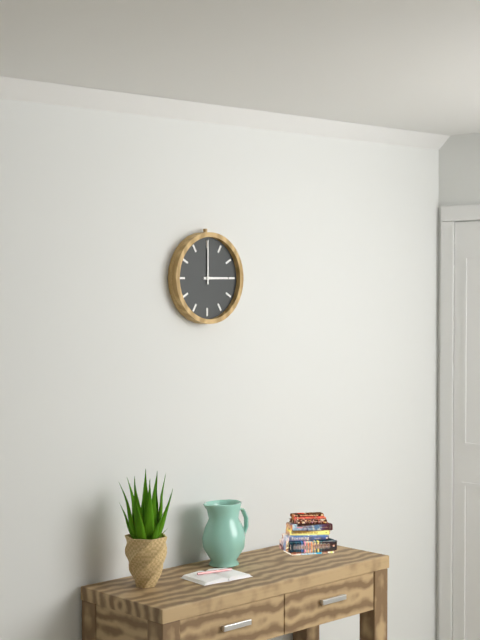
3h00
